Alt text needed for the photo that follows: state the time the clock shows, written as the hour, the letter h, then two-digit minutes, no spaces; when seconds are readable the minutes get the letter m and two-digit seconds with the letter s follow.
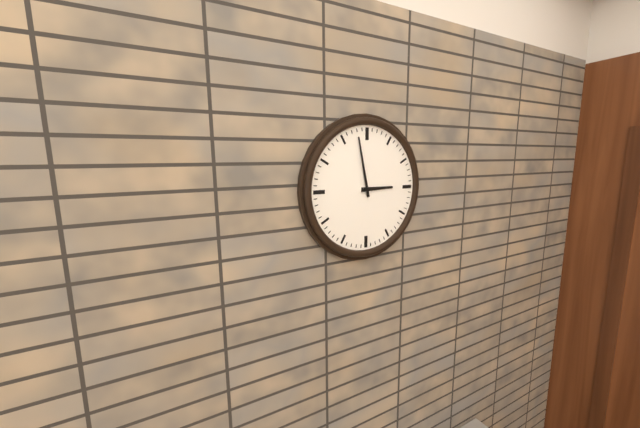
2h58
